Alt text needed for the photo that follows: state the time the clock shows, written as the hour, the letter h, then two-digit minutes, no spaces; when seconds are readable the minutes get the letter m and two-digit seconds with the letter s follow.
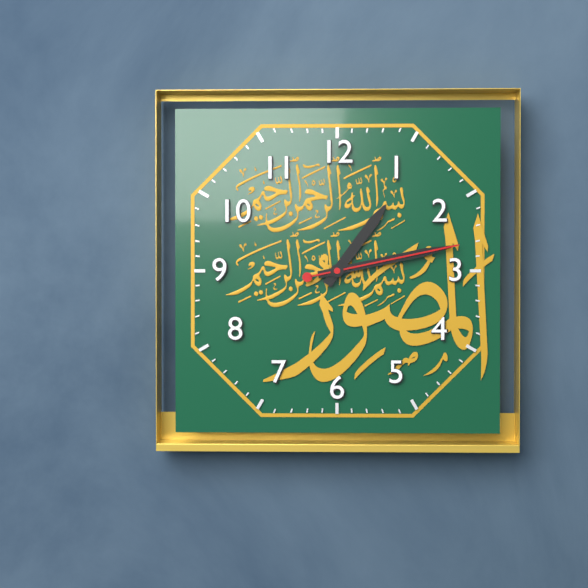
1h13m13s
